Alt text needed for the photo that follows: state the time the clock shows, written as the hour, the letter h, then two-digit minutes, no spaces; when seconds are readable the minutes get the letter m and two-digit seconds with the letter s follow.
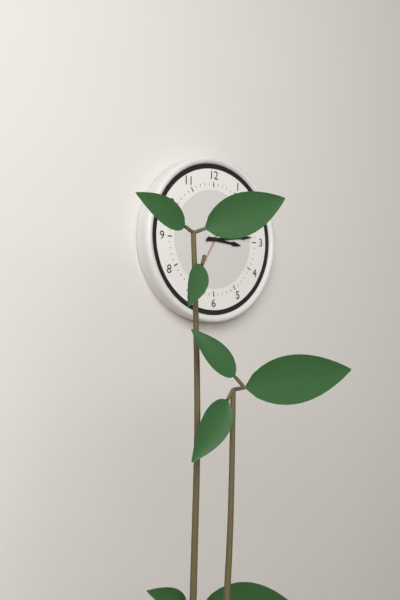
3h14
